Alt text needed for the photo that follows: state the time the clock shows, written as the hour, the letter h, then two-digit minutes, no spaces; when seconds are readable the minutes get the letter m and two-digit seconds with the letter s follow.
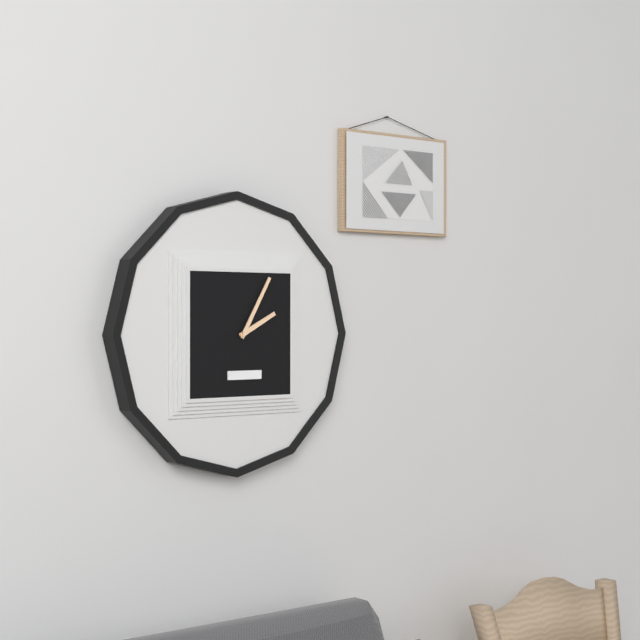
2h05
